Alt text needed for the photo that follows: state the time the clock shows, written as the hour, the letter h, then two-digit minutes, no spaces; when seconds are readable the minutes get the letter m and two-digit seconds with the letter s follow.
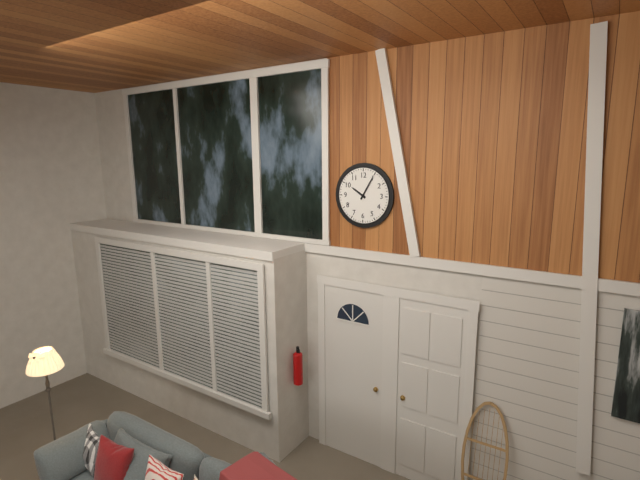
10h05
